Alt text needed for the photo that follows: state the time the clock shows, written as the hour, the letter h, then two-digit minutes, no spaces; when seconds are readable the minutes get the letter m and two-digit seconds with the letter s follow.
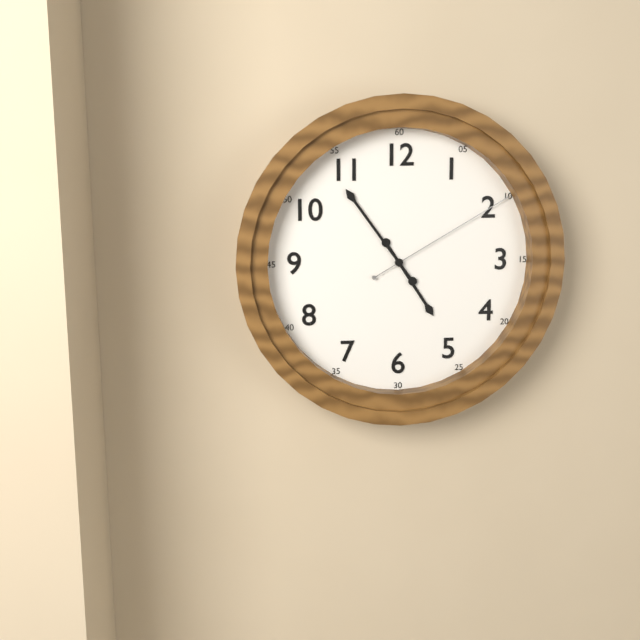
4h54m10s
